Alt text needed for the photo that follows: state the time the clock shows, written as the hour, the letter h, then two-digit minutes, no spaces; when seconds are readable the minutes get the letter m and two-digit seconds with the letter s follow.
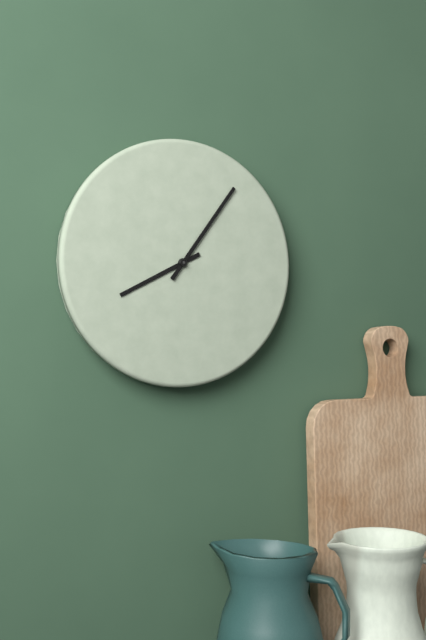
8h06
